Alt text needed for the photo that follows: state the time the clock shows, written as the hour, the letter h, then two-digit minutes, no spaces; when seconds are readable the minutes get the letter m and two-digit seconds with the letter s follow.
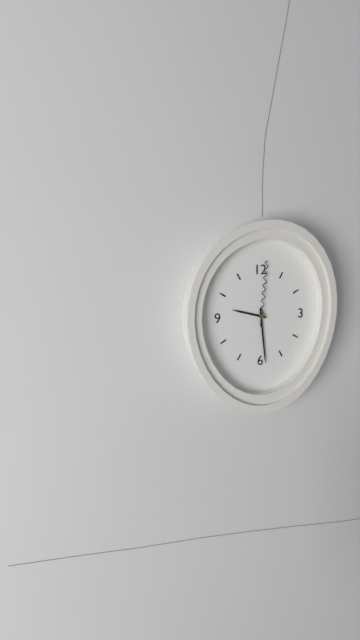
9h29m01s
